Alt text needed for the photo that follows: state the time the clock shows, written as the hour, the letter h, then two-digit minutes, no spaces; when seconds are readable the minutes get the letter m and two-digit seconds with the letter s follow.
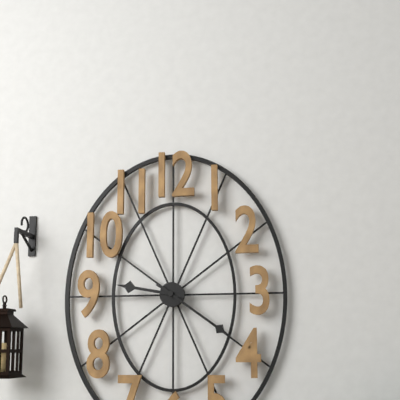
9h21
